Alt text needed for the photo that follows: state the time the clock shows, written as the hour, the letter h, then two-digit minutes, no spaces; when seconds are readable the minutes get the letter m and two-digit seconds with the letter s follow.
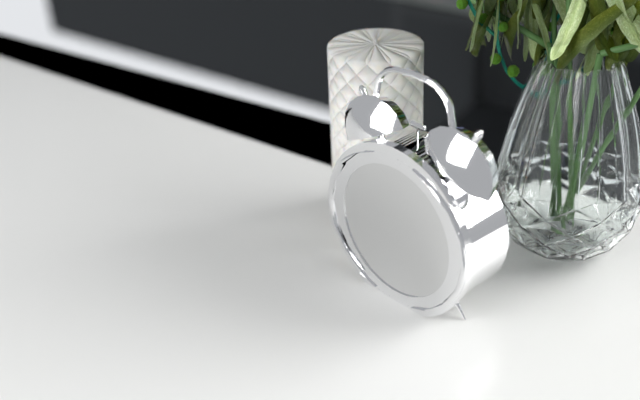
6h42m33s
